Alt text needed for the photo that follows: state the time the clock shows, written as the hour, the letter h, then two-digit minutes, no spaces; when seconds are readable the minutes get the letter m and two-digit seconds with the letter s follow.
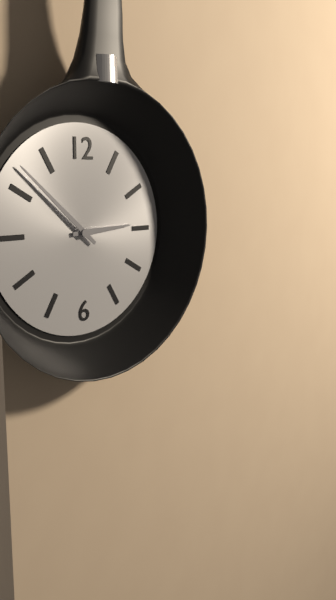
2h52
